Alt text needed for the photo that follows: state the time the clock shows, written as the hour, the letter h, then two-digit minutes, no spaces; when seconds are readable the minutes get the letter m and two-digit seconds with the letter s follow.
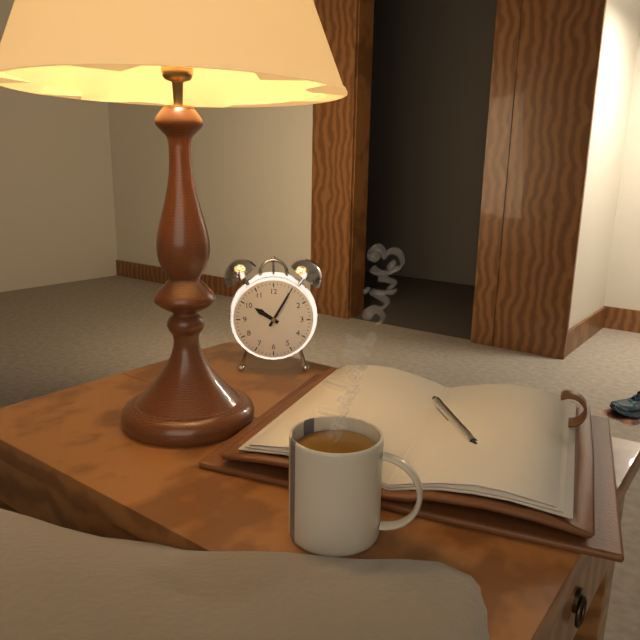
10h05
